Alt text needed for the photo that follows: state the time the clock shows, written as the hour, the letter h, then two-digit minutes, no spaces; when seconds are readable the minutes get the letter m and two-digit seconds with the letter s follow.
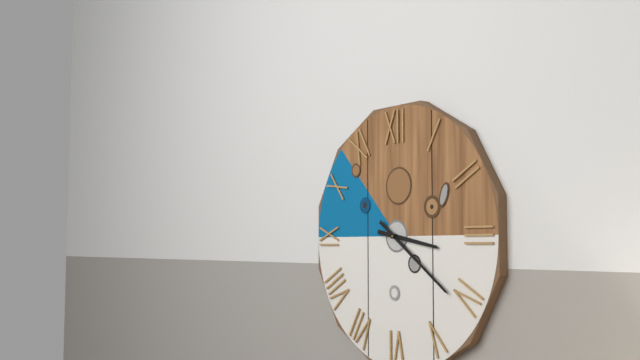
3h21
